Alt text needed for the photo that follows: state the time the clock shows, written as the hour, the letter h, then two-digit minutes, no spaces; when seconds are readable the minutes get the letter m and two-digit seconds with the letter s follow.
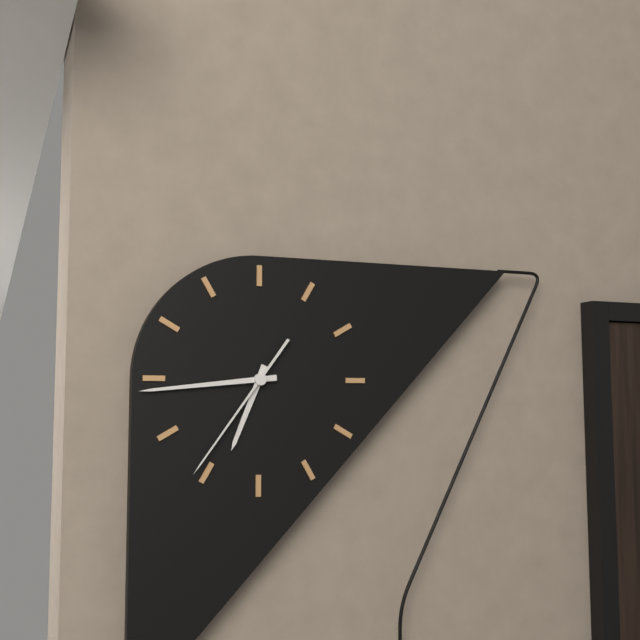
6h44m36s
